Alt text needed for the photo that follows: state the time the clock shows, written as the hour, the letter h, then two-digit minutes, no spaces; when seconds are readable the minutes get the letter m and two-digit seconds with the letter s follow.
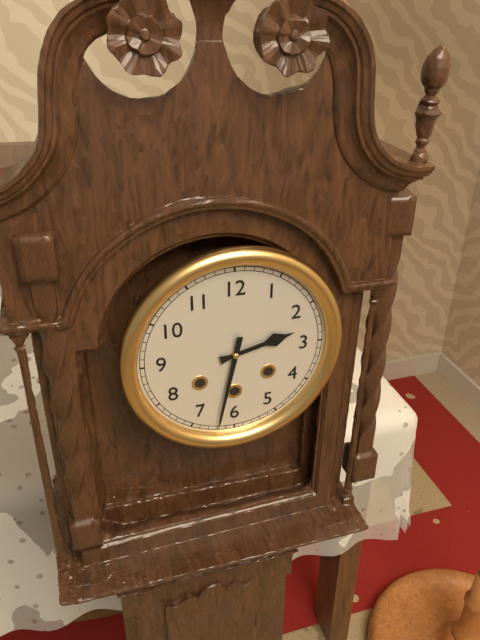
2h32
